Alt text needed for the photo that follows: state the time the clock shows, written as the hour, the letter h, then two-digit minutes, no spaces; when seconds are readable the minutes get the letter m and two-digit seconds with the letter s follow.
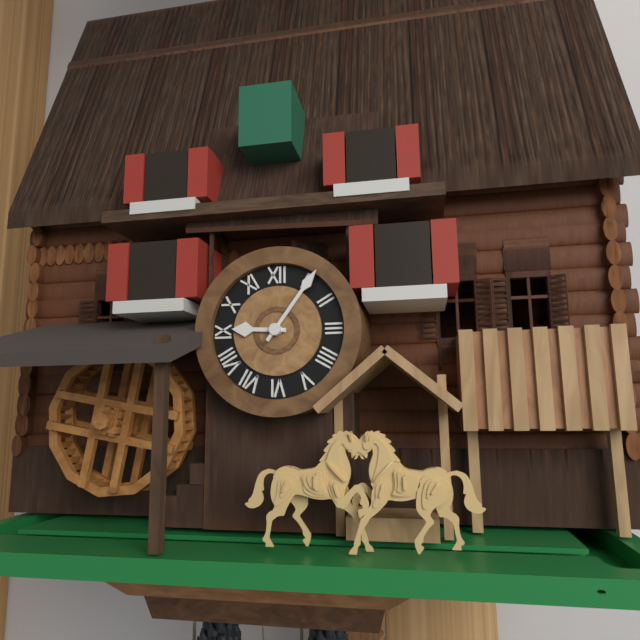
9h06
